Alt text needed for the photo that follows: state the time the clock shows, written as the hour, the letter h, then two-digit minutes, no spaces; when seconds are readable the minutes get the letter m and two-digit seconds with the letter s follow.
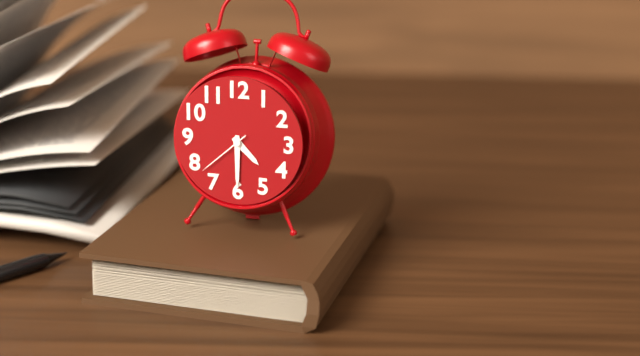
4h30m38s
